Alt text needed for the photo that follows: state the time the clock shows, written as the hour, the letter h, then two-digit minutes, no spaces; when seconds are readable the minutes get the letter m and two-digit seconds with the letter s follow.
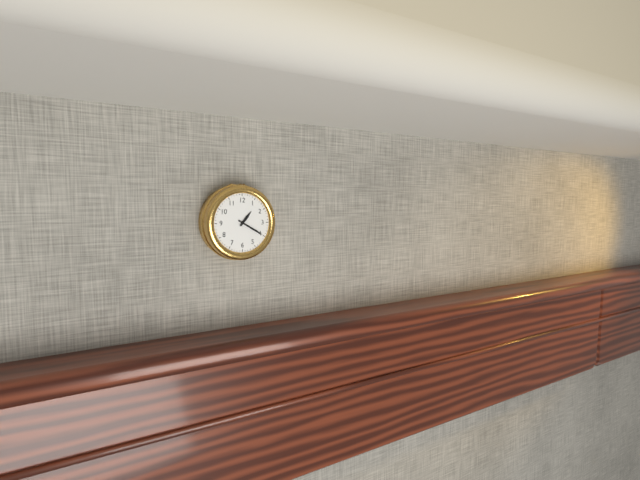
1h20
